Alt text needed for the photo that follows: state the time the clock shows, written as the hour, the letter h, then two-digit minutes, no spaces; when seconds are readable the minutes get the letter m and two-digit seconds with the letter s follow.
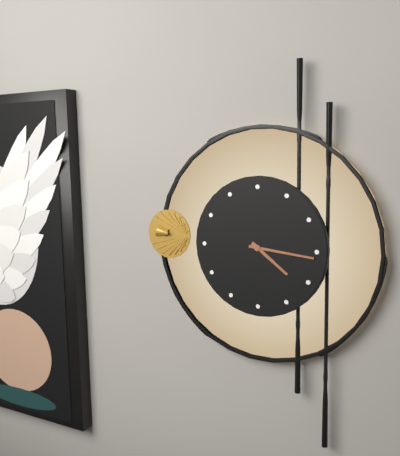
4h16
